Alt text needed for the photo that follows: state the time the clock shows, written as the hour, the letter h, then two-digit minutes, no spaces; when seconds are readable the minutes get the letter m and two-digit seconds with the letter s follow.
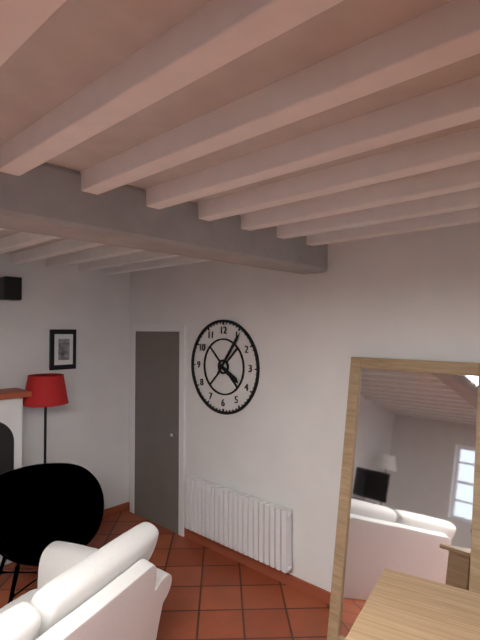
4h06
